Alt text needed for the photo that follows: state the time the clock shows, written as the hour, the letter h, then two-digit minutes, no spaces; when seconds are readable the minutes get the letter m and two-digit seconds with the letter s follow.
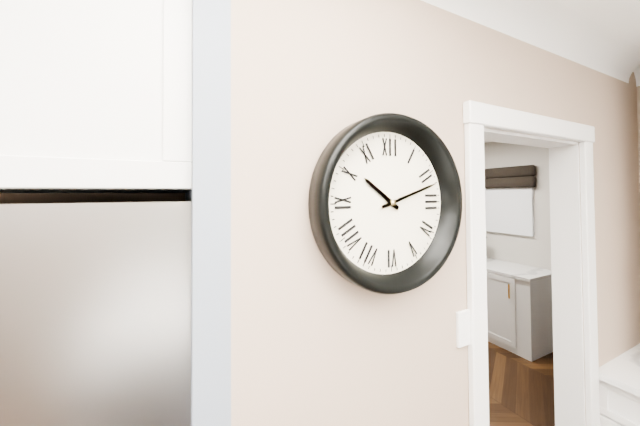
10h12
